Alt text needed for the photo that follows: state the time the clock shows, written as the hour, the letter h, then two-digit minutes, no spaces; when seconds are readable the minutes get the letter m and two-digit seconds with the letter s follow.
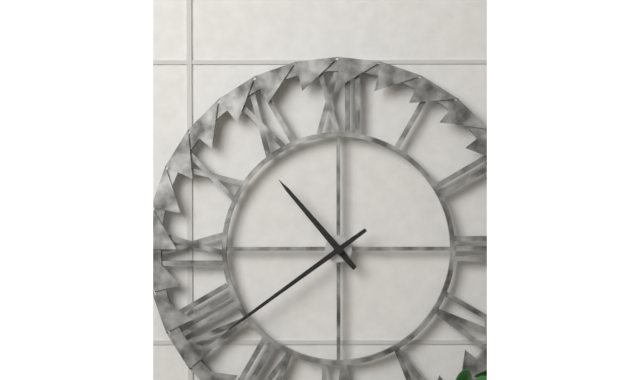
10h39
